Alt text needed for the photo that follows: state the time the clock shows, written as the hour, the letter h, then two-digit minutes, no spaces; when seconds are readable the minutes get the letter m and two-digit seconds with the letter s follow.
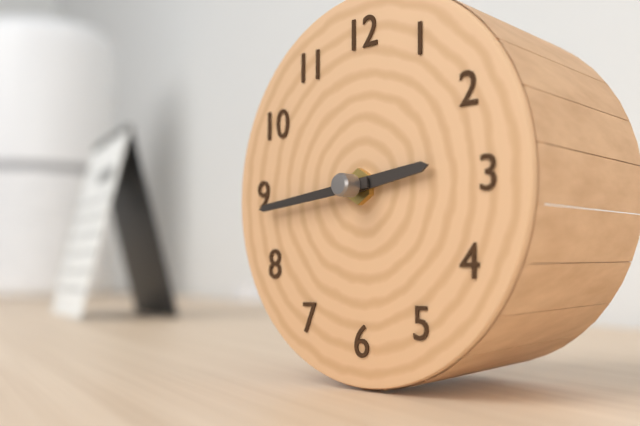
2h44
